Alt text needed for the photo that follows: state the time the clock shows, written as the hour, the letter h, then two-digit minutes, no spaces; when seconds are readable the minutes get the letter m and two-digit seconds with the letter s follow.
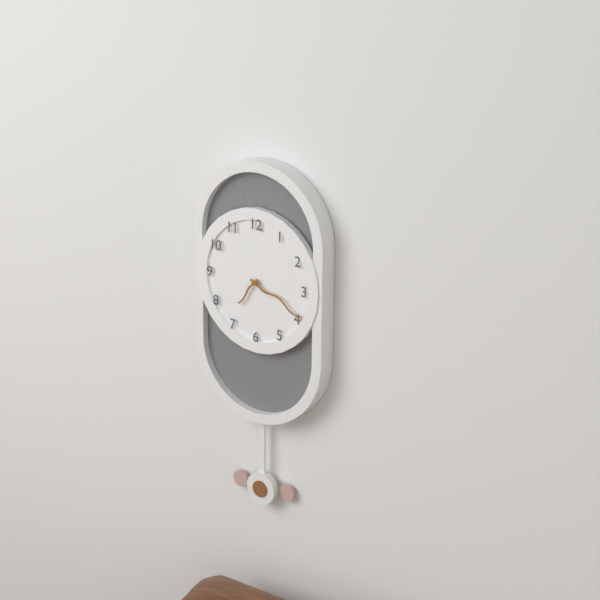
7h19
